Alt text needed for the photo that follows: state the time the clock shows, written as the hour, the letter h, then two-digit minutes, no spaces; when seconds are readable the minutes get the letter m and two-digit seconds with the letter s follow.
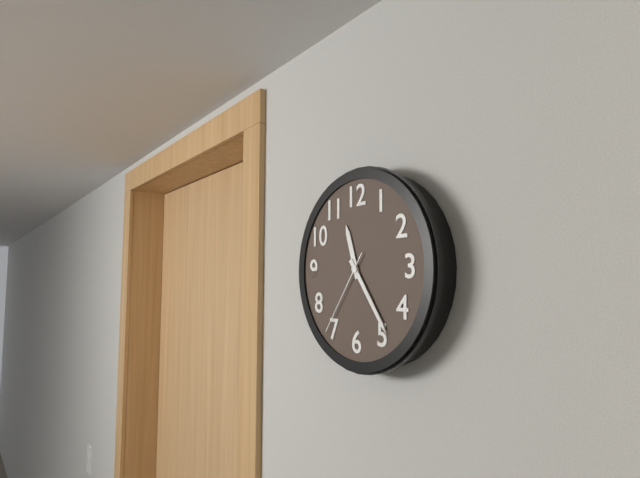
11h24m36s
